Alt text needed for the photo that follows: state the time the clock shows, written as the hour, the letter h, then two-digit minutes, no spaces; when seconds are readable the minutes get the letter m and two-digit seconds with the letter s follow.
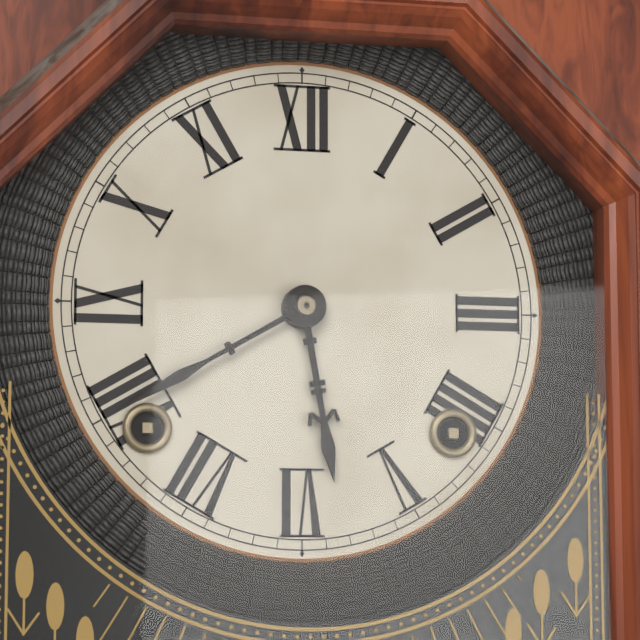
5h40
